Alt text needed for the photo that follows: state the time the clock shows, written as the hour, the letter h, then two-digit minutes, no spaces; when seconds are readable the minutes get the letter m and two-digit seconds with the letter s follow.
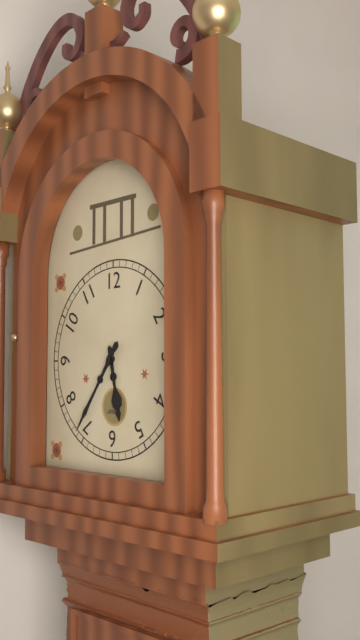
5h36
